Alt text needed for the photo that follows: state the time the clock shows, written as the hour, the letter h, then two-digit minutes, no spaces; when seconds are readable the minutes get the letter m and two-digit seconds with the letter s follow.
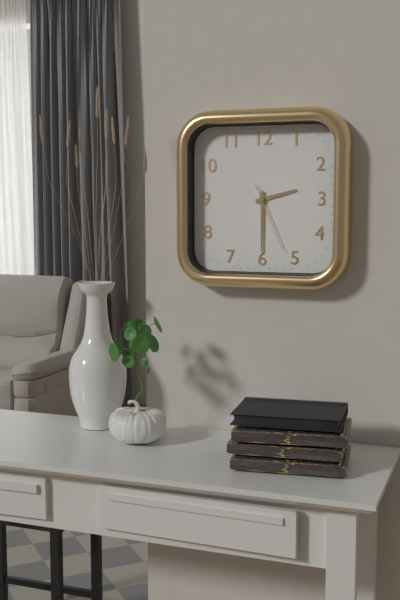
2h30m26s
